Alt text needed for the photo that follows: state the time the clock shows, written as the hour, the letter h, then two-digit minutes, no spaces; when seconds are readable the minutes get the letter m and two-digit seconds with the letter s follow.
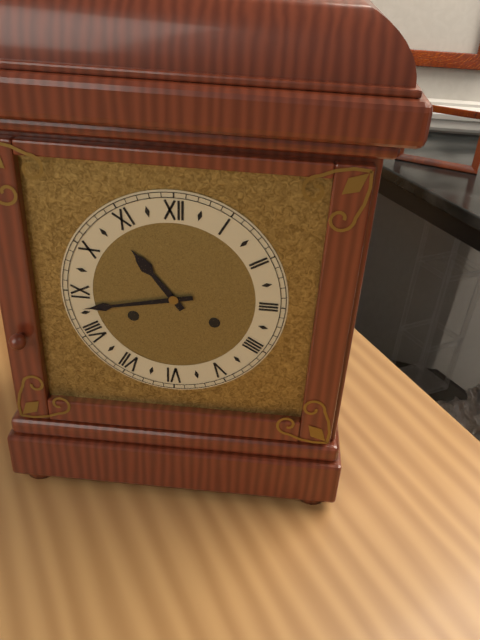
10h43
